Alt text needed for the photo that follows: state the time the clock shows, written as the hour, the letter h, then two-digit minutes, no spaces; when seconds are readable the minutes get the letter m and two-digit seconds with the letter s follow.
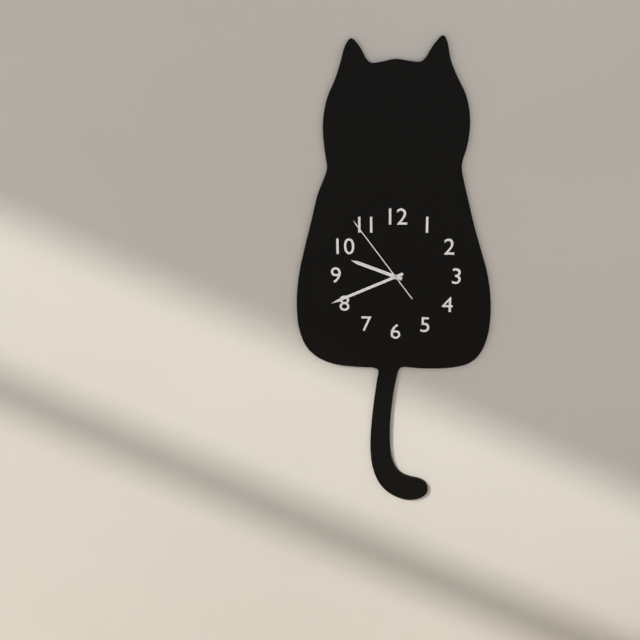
9h41m54s
